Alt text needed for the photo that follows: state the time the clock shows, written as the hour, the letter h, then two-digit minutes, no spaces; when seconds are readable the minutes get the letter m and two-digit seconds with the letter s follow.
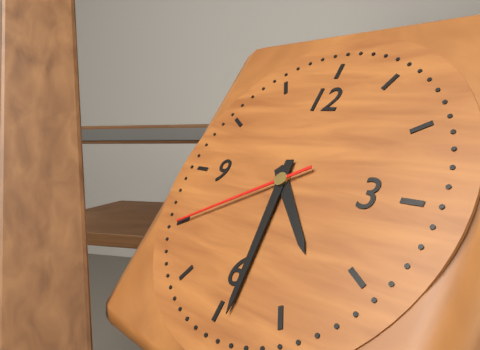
4h29m40s
